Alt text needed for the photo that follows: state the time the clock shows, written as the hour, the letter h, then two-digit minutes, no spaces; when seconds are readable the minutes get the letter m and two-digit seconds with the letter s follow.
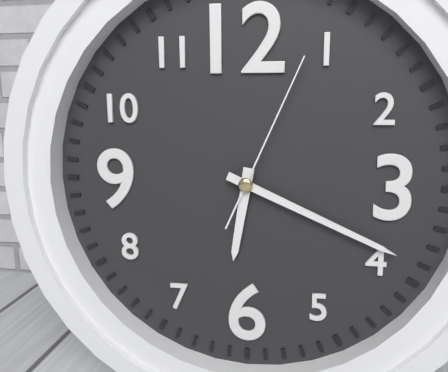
6h19m04s
